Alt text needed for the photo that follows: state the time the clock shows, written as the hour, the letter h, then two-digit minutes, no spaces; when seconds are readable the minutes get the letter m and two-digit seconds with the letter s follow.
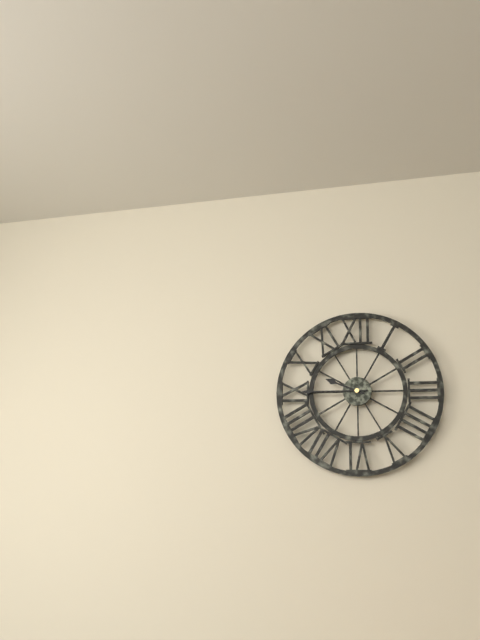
9h45
